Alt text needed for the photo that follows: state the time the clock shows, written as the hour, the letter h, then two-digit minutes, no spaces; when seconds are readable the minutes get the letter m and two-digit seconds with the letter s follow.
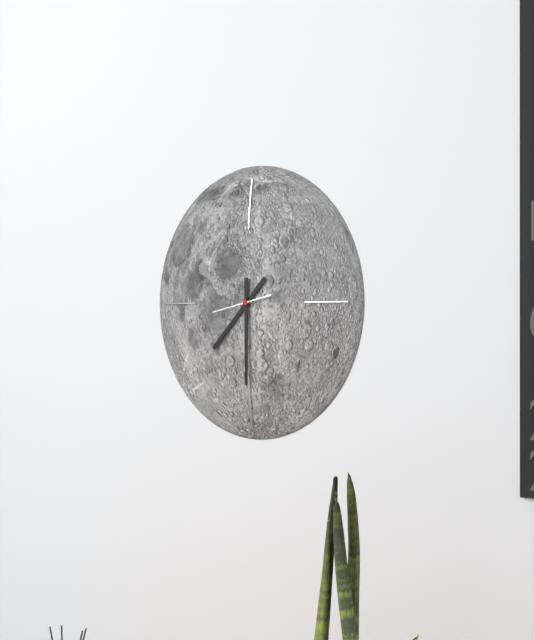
7h30
